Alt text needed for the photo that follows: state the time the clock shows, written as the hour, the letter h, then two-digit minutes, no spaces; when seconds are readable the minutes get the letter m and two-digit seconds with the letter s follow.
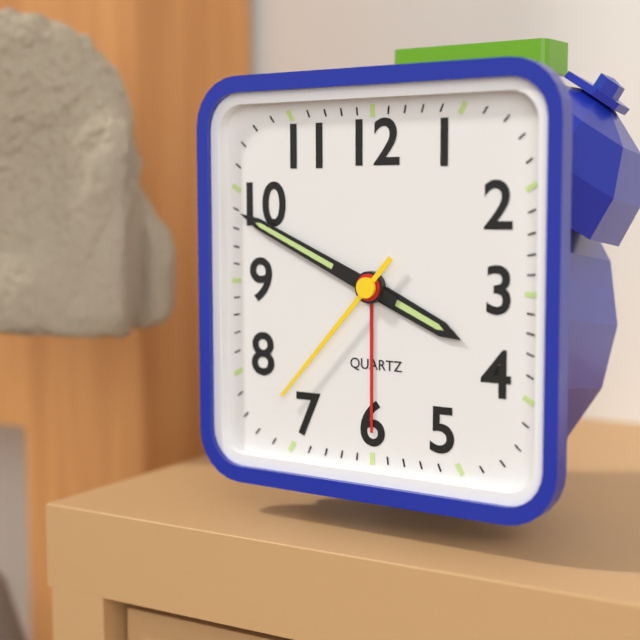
3h49m37s
